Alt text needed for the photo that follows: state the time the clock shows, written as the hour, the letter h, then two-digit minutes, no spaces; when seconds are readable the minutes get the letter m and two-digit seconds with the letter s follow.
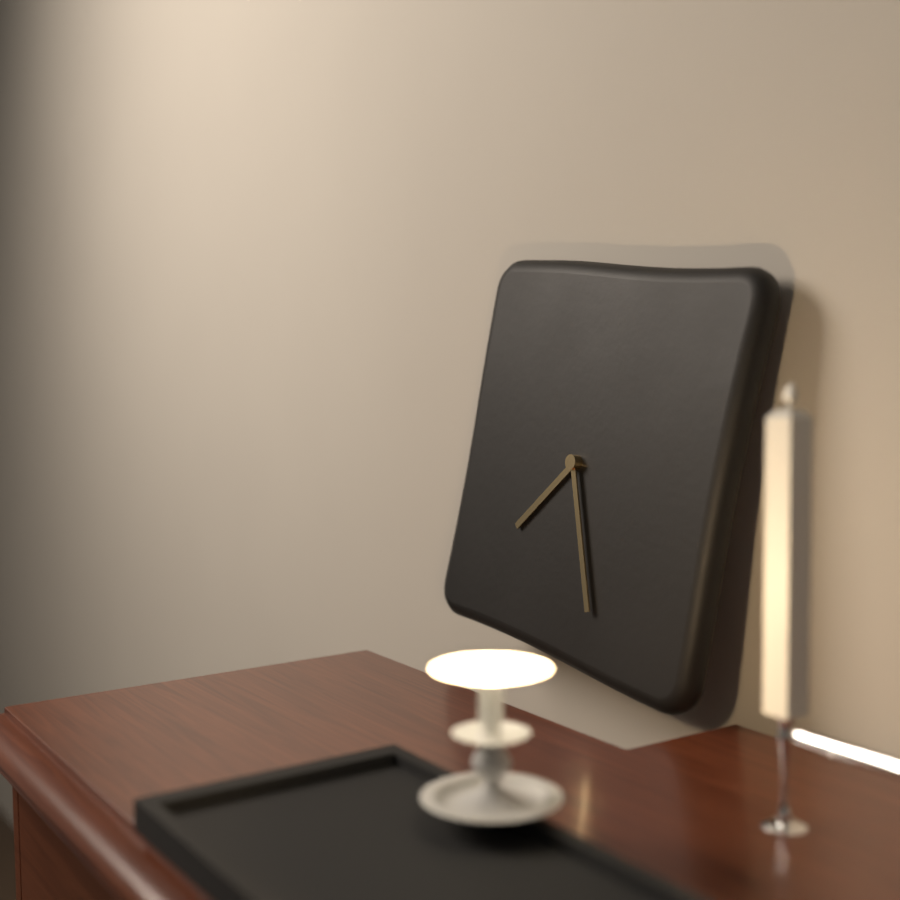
7h26
